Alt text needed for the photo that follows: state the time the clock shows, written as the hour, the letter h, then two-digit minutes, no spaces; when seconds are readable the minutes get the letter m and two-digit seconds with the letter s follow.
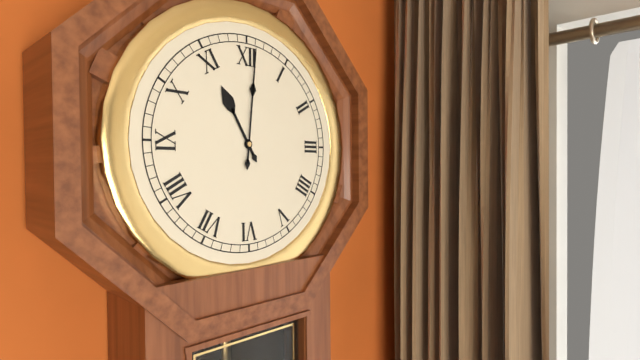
11h01
